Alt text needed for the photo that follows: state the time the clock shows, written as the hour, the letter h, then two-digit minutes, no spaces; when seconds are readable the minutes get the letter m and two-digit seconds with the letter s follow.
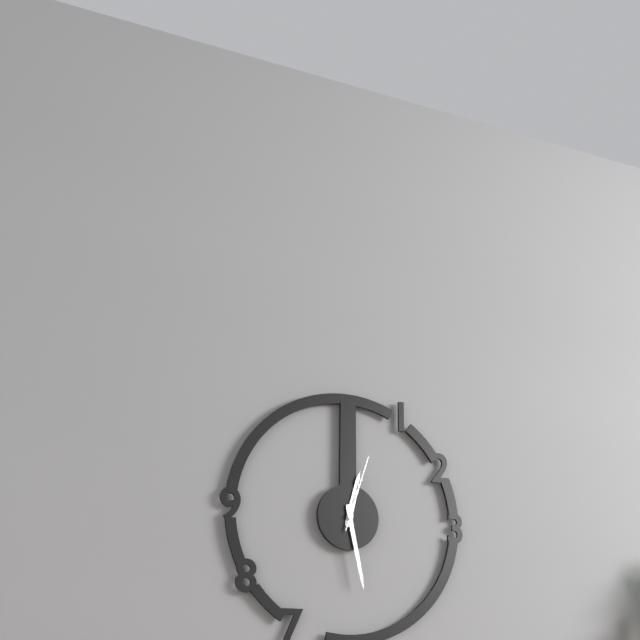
12h28m03s
